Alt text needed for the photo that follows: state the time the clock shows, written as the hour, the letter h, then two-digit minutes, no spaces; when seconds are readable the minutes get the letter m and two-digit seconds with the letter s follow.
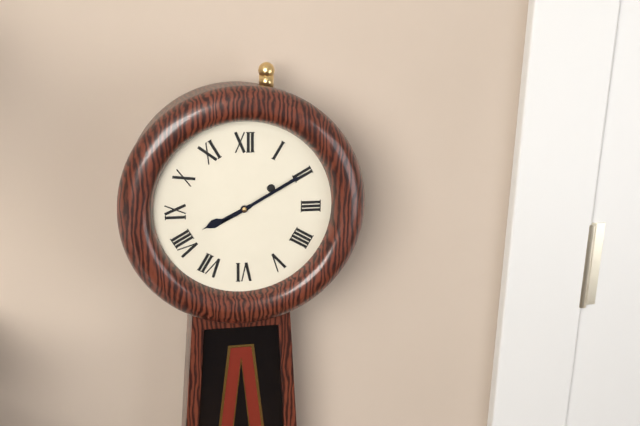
8h10
